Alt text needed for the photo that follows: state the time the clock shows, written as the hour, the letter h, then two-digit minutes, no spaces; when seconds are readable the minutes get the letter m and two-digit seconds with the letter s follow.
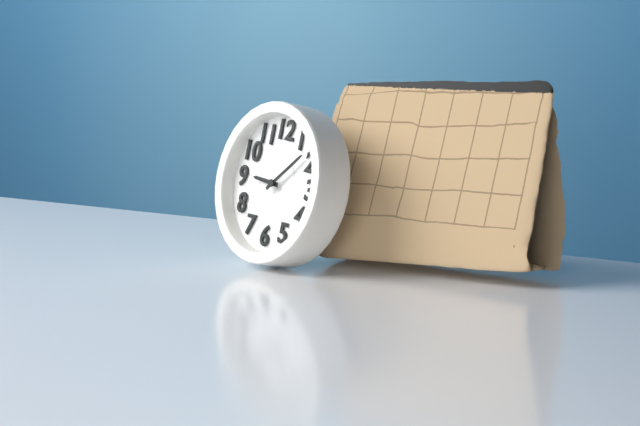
9h08
